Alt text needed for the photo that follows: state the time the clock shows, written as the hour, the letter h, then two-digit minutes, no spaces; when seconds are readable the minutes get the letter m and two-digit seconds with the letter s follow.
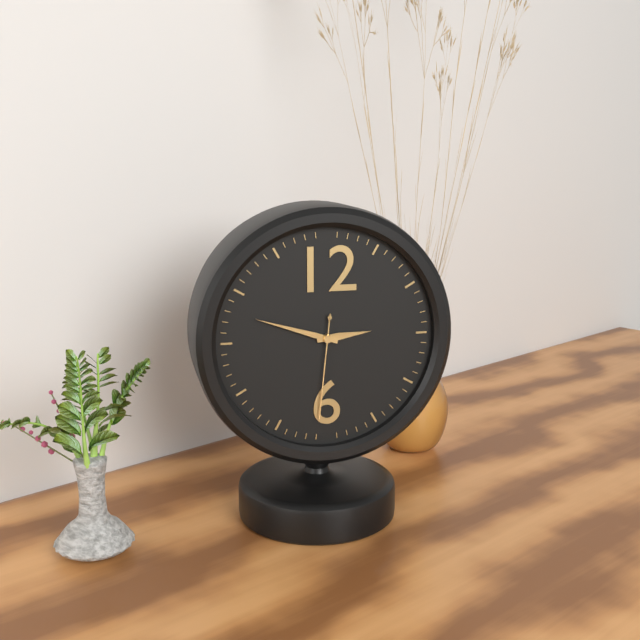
2h48m31s
